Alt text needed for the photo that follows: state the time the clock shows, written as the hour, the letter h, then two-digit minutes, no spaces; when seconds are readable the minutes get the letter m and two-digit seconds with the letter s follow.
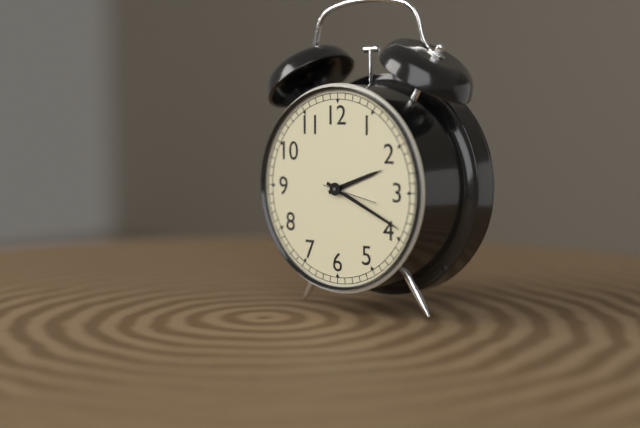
2h19m17s
